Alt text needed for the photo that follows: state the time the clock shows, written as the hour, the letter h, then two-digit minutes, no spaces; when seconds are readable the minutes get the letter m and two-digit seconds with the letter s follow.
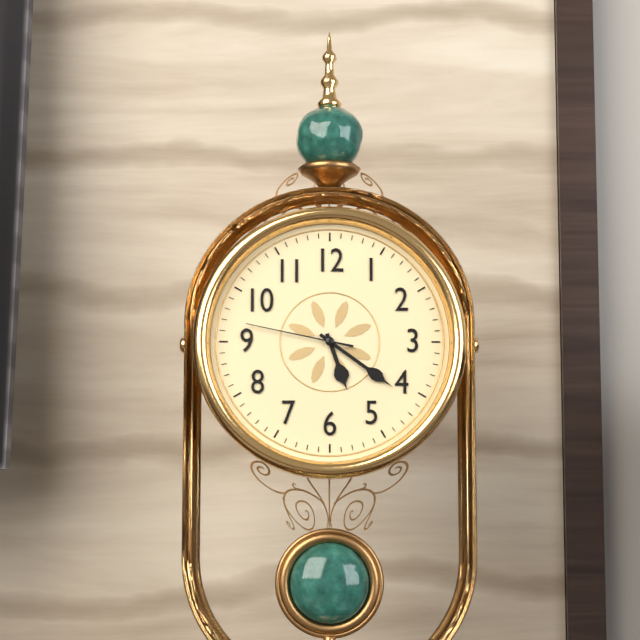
5h21m47s
